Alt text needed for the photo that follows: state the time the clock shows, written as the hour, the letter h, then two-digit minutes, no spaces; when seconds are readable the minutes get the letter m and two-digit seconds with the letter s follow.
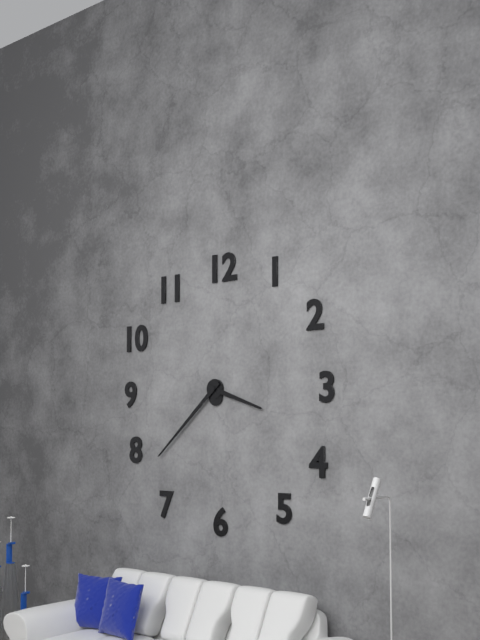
3h38
